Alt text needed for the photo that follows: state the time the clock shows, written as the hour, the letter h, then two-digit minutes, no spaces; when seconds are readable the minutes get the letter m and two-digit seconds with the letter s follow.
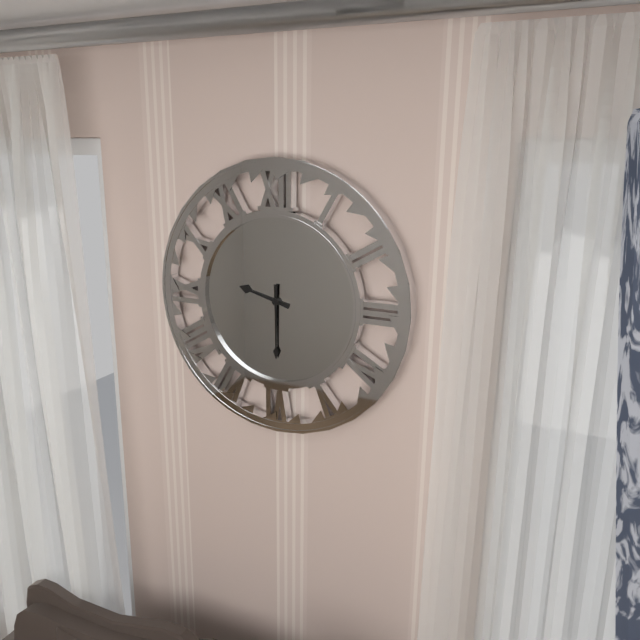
9h30
